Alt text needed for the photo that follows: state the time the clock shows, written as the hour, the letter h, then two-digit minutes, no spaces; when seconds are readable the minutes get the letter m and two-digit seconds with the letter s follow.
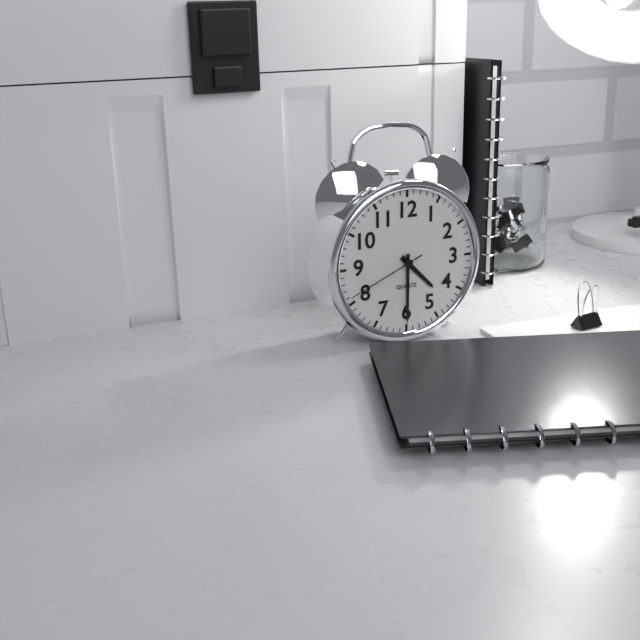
4h30m41s
